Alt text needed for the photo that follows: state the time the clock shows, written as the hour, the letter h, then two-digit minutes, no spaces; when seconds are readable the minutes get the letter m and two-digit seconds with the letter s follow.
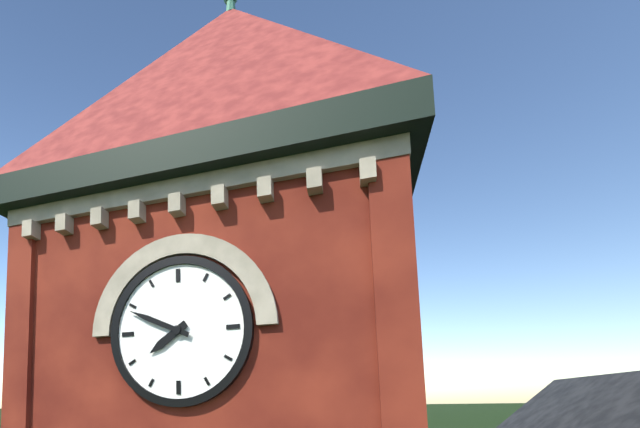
7h49
